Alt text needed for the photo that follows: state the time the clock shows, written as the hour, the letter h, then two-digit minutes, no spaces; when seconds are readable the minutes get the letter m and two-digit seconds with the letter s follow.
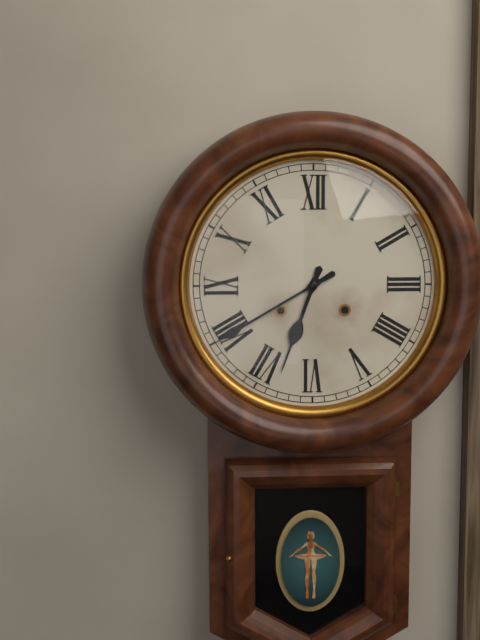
6h40
